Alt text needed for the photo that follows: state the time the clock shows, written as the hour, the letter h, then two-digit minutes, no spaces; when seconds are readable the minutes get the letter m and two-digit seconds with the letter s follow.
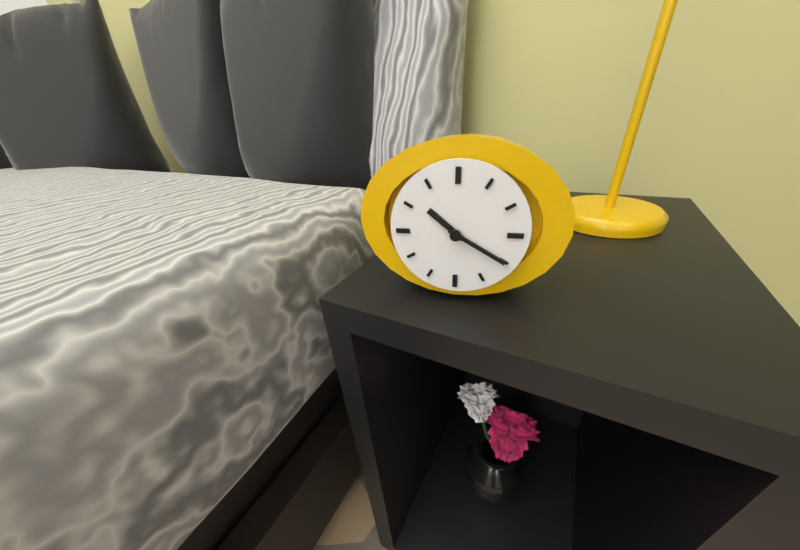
10h20
